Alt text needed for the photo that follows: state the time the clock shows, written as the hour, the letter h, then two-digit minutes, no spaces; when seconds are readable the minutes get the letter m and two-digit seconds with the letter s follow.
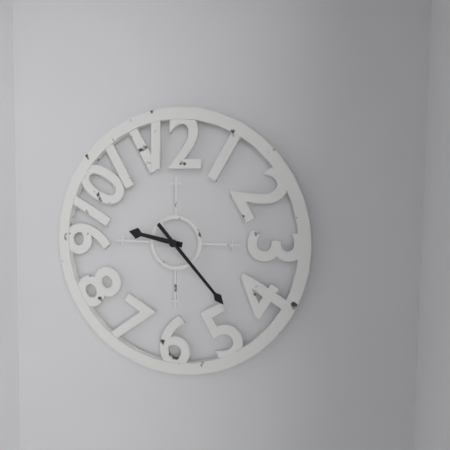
9h23
